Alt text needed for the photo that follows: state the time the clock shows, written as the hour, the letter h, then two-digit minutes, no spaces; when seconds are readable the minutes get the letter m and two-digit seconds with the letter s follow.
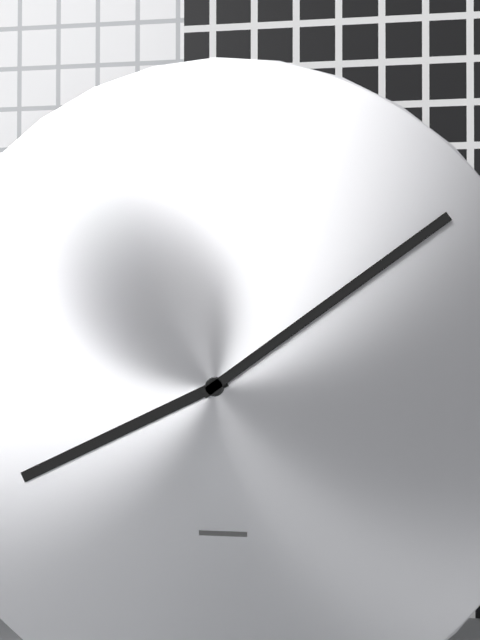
8h09
